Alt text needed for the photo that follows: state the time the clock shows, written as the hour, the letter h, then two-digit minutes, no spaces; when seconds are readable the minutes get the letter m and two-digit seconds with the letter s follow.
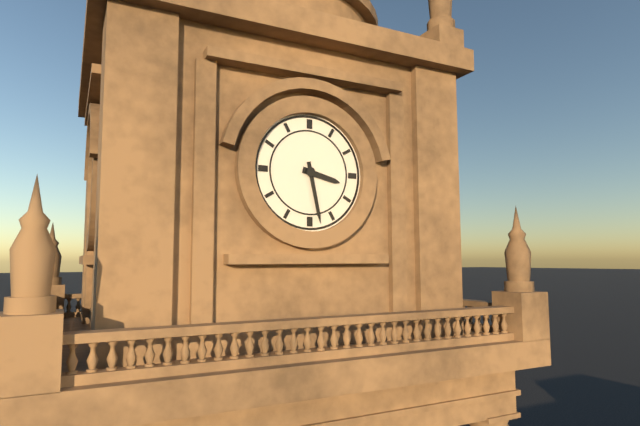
3h28
